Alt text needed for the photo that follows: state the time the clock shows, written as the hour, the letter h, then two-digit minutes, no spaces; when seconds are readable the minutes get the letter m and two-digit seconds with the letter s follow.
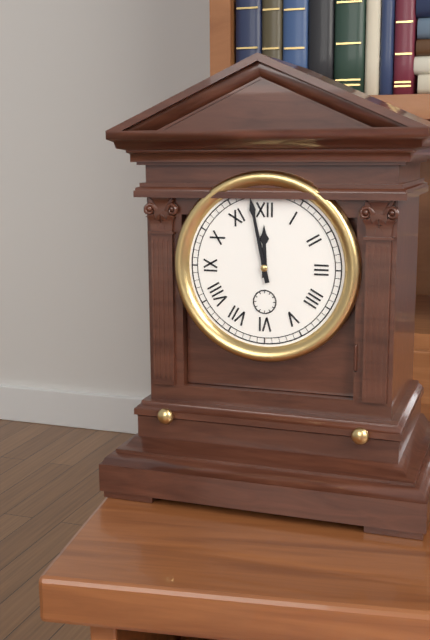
11h58
